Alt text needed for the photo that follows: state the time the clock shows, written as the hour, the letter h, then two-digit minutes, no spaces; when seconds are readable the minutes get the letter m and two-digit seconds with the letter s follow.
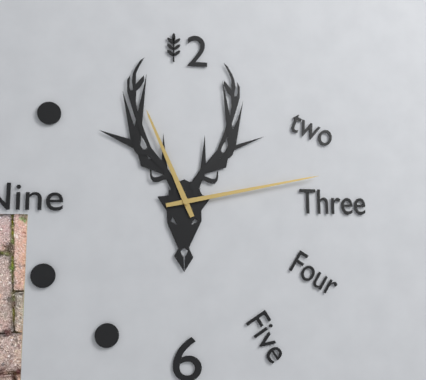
11h13
